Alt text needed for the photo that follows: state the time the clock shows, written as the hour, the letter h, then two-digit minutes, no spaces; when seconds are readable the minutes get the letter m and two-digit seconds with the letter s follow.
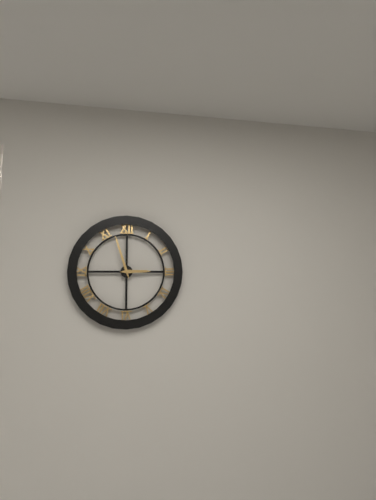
2h57
